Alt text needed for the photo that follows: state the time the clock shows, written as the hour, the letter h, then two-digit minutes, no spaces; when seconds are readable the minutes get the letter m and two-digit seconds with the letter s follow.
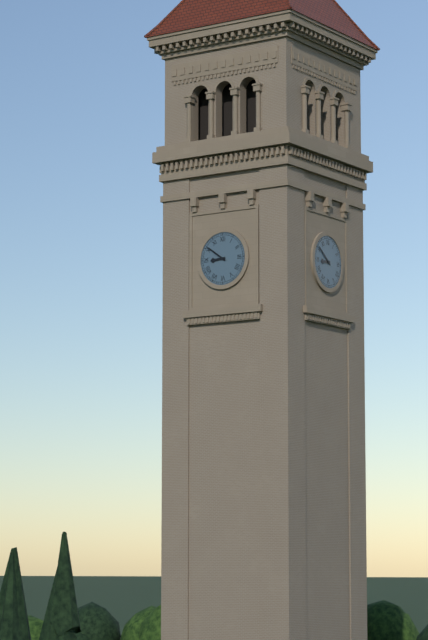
8h51
